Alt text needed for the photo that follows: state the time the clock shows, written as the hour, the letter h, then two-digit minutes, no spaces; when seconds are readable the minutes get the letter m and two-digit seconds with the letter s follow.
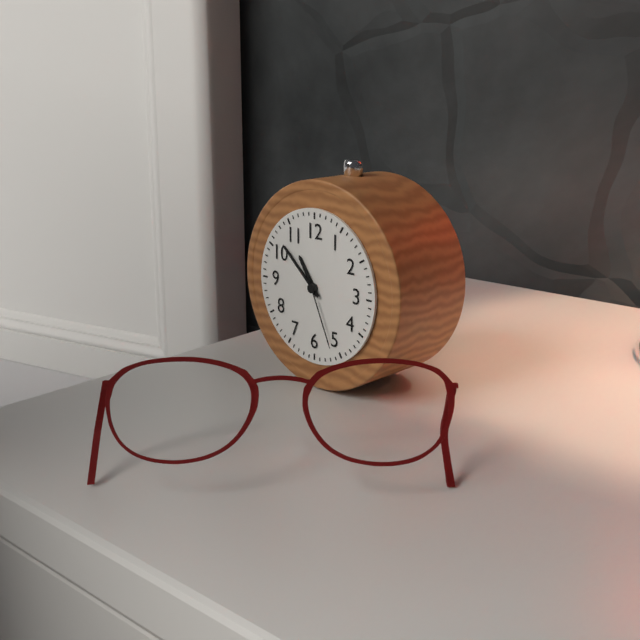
10h52m26s
